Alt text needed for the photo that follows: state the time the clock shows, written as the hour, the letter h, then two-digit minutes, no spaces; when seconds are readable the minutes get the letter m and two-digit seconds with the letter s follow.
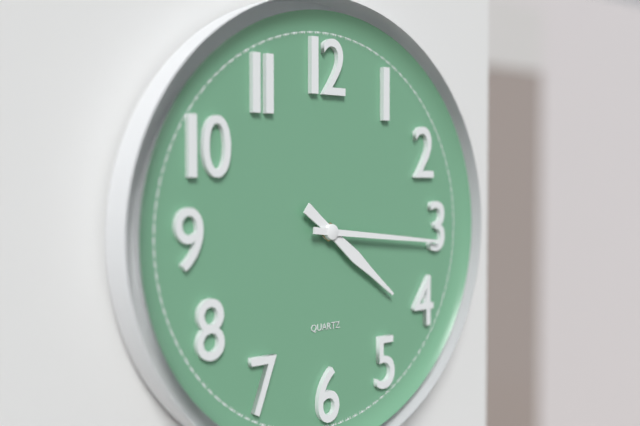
4h16
